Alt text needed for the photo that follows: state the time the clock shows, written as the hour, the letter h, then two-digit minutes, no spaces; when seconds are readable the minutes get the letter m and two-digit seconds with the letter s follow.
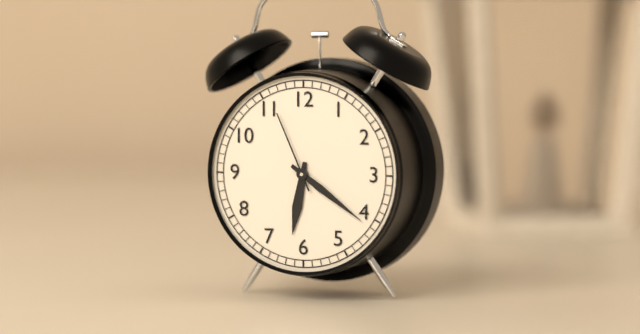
6h21m56s
